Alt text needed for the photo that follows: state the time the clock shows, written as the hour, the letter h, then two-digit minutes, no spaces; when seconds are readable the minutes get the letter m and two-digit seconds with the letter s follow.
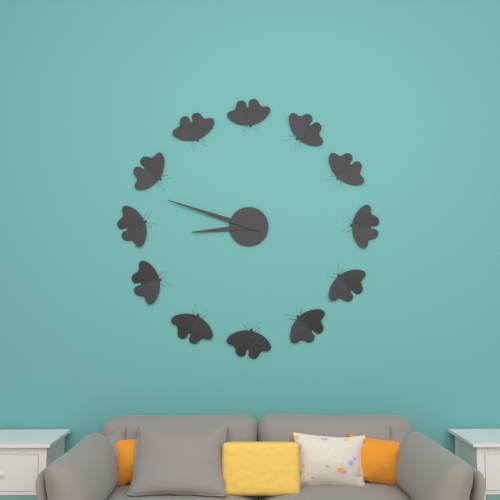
8h48
